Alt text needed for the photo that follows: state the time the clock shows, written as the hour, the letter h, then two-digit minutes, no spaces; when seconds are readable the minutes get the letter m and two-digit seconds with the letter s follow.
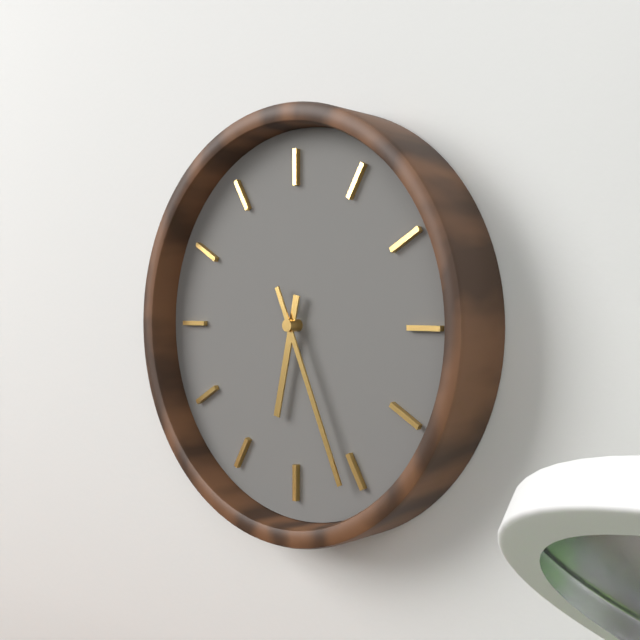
6h26
